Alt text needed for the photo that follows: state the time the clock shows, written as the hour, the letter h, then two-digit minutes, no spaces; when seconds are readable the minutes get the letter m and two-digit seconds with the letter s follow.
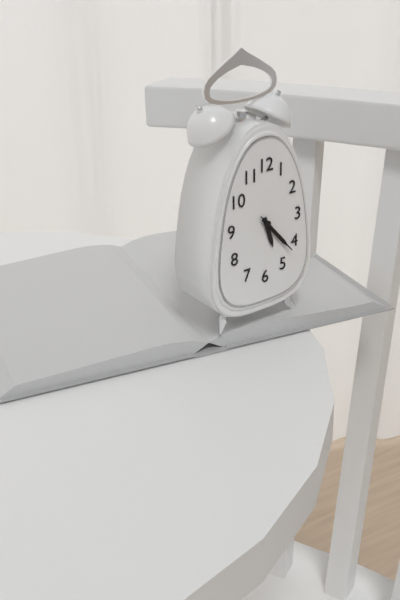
5h23
